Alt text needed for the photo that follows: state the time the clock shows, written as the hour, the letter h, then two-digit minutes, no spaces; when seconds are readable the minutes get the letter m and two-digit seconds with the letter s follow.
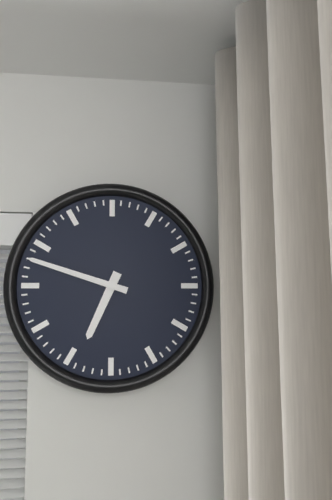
6h48
